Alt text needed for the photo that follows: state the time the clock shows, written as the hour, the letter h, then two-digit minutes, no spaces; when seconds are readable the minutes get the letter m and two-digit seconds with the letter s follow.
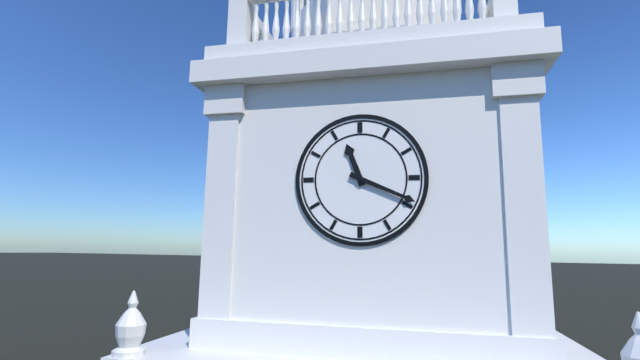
11h19
